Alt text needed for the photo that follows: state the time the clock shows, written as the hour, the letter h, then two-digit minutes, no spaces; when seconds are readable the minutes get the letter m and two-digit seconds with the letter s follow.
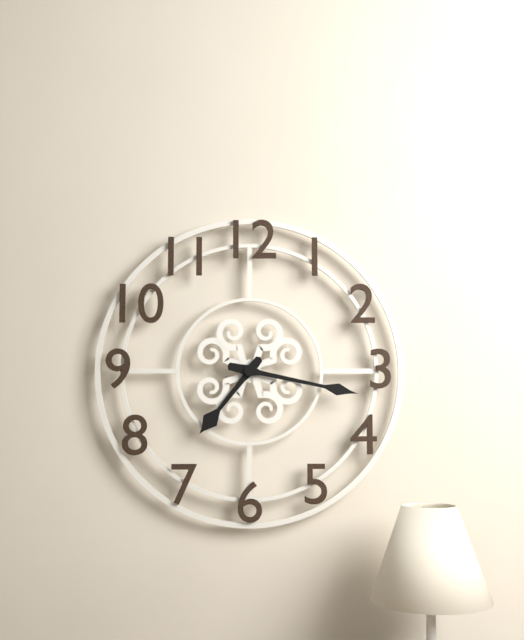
7h17
